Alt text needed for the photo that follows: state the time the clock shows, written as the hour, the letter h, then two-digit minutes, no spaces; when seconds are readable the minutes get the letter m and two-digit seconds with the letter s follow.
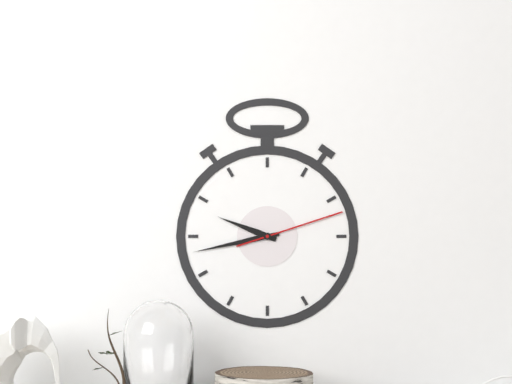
9h43m12s
